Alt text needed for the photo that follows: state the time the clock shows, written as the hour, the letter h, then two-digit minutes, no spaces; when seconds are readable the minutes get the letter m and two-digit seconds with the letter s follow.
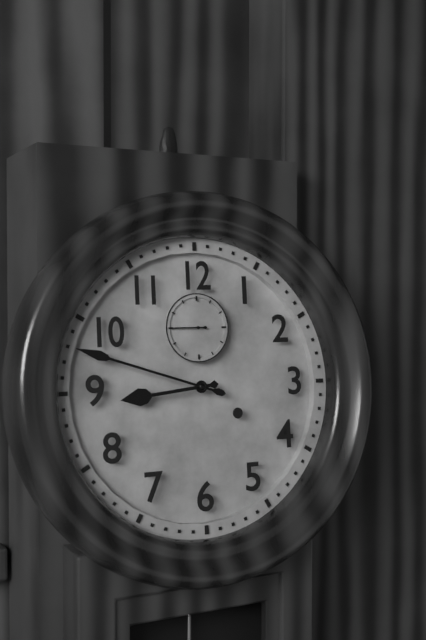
8h48
